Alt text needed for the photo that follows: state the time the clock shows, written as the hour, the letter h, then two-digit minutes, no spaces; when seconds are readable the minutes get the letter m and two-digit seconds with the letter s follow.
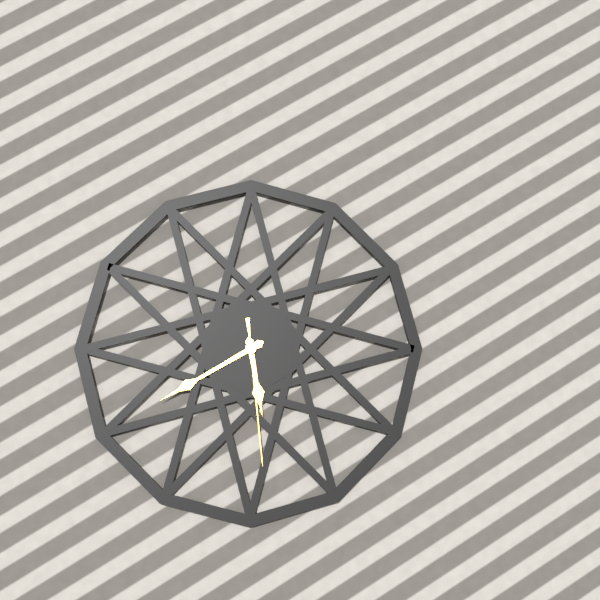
5h40m29s
